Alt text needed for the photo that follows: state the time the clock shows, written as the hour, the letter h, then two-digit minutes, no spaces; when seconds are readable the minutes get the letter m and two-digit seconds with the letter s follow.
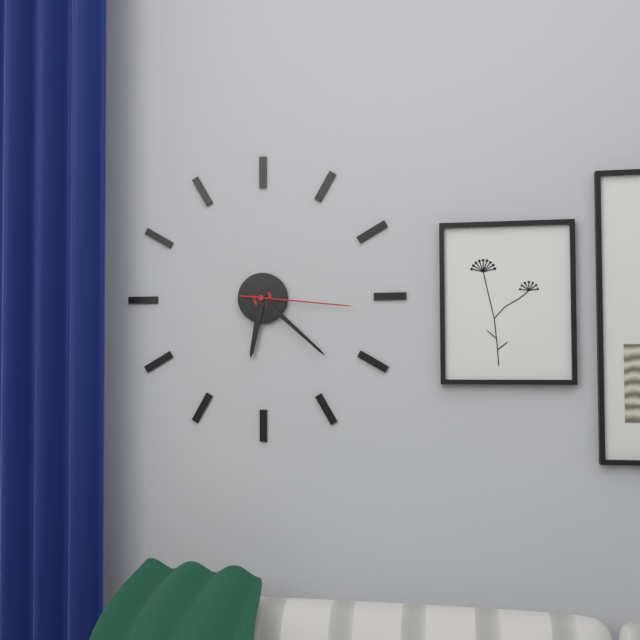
6h22m16s
